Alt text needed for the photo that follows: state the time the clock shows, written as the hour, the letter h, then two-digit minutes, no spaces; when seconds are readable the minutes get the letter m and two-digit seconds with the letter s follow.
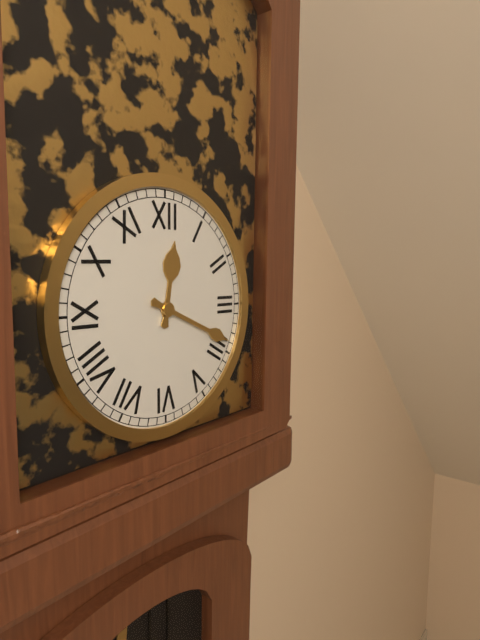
12h19
